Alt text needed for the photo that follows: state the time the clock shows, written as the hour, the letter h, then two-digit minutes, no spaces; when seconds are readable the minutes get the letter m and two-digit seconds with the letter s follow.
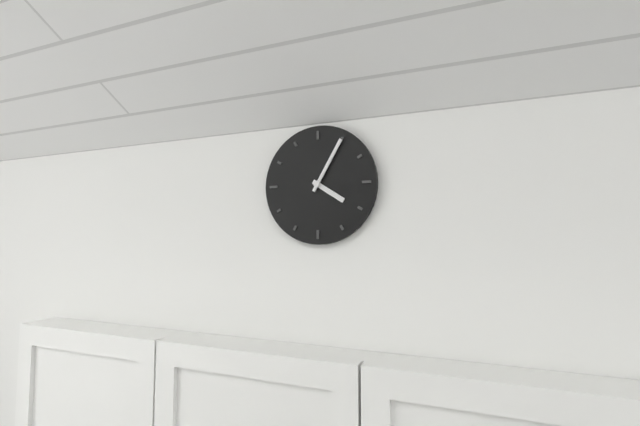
4h05
